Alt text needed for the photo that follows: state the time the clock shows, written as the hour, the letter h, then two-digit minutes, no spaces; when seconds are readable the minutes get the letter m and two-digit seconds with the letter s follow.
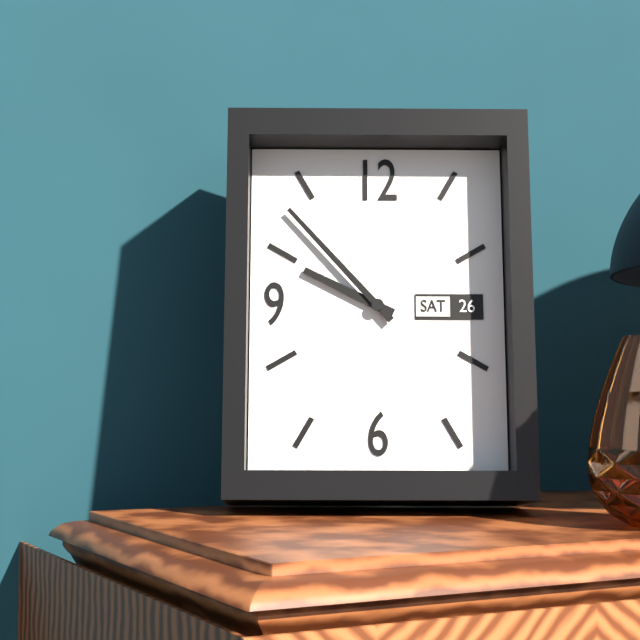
9h53
